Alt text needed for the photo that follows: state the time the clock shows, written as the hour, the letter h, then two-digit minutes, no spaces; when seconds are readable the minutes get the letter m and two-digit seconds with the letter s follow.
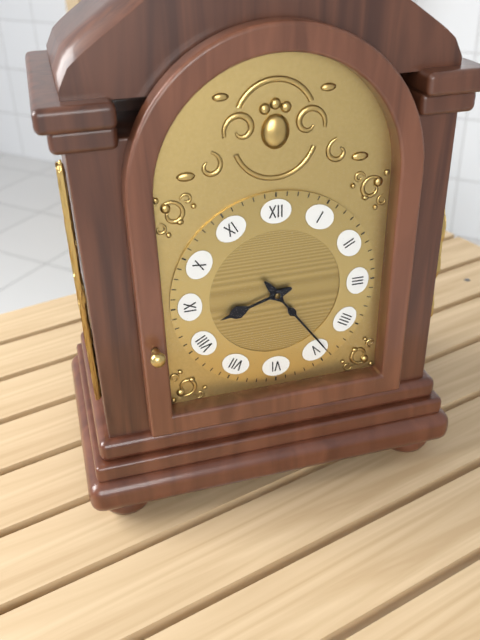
8h24
